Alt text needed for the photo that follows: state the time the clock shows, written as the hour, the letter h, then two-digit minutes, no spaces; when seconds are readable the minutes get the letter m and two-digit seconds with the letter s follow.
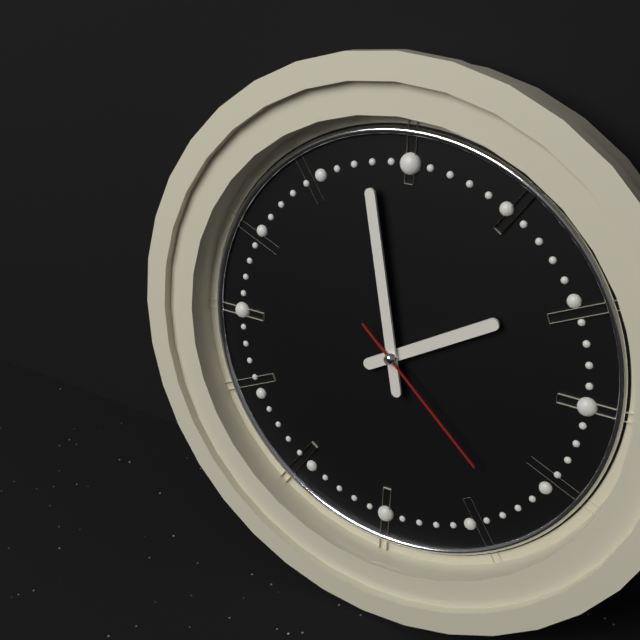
1h58m22s
